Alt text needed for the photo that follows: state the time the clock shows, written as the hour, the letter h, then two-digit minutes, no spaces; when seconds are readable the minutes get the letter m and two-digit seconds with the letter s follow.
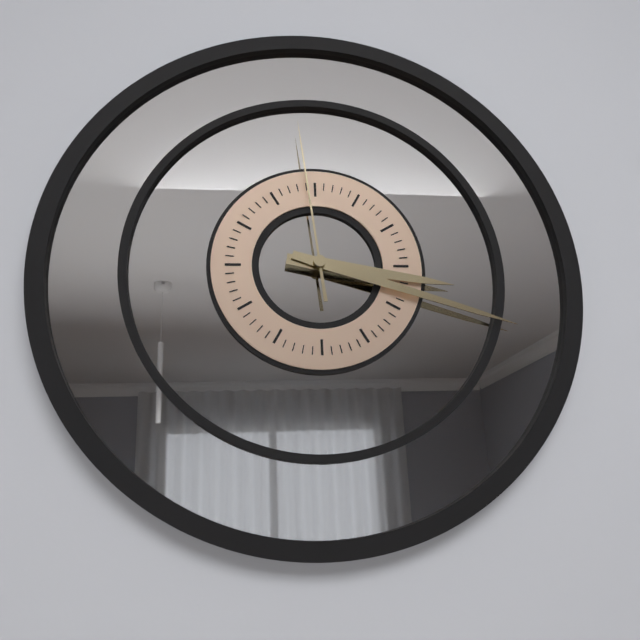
3h18m59s
